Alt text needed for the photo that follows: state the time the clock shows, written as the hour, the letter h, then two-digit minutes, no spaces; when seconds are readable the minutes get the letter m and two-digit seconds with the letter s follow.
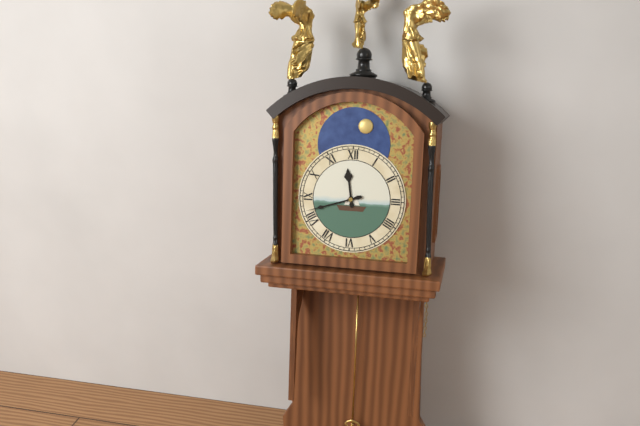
11h42
